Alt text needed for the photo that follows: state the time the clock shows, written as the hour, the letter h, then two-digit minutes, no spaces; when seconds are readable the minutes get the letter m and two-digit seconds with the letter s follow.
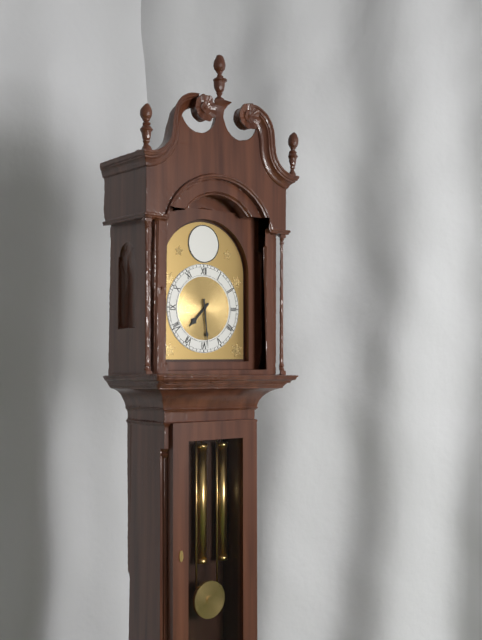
7h29
